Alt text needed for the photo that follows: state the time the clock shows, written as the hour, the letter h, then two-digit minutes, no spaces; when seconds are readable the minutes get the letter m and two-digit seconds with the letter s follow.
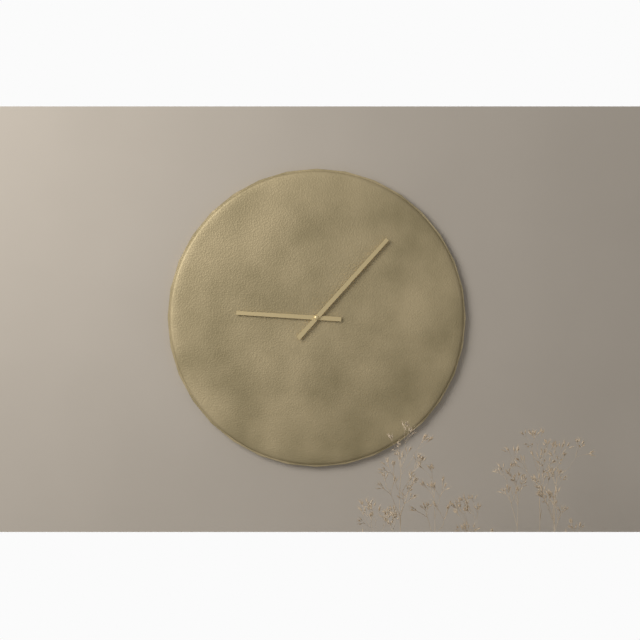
9h07
